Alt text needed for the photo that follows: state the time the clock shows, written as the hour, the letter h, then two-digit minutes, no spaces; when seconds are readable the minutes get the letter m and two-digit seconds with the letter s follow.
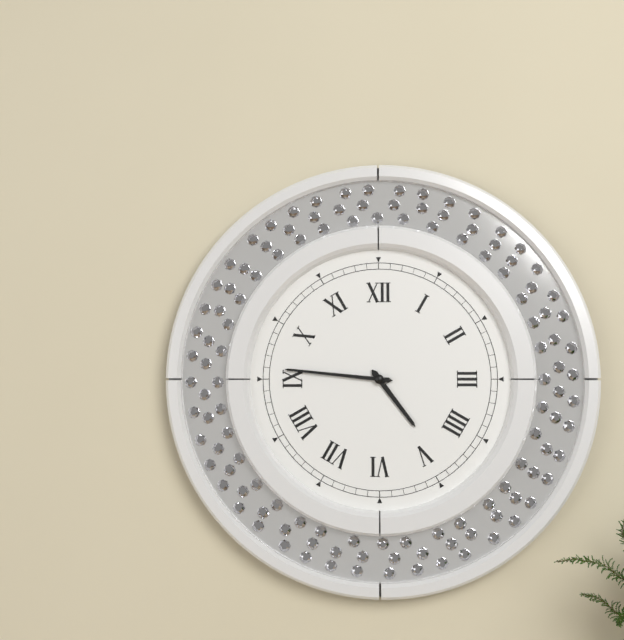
4h46
